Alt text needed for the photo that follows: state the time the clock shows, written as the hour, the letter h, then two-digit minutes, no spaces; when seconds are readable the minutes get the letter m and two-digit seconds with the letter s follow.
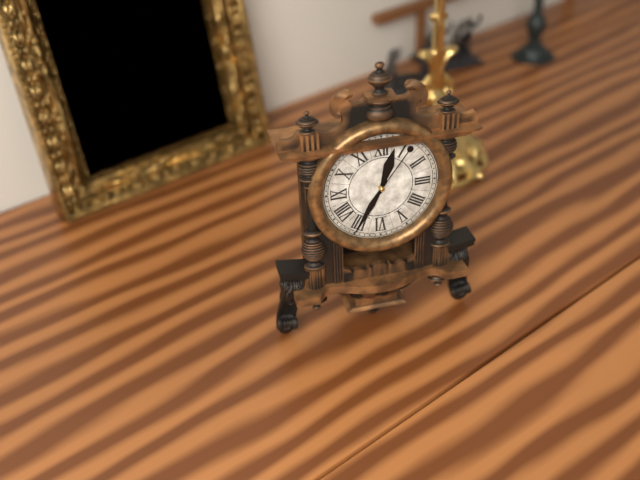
12h35m06s
